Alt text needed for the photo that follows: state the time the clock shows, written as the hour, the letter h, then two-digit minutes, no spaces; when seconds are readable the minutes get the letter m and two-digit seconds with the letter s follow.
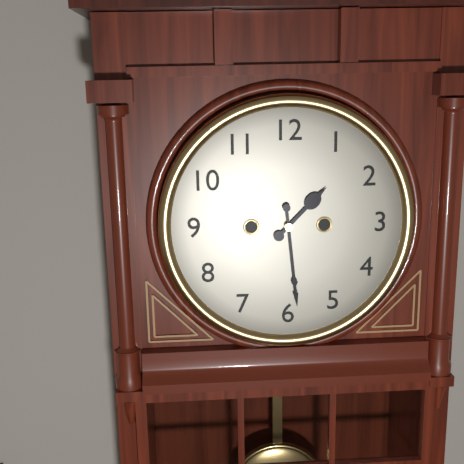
1h29
